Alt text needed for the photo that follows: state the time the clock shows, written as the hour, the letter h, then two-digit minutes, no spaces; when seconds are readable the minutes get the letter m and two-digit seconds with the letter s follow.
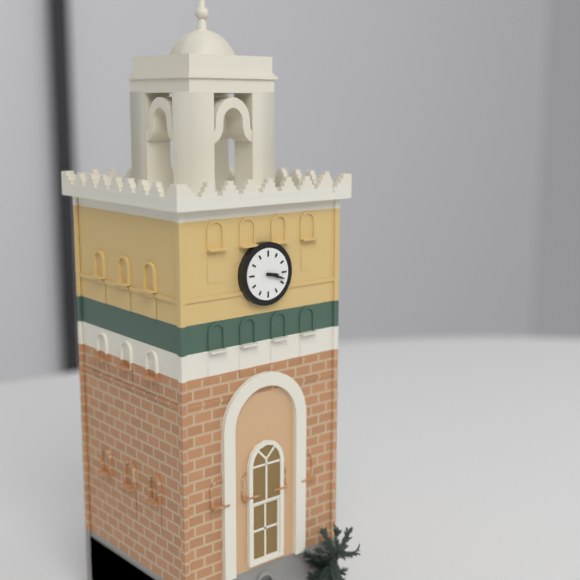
3h18
